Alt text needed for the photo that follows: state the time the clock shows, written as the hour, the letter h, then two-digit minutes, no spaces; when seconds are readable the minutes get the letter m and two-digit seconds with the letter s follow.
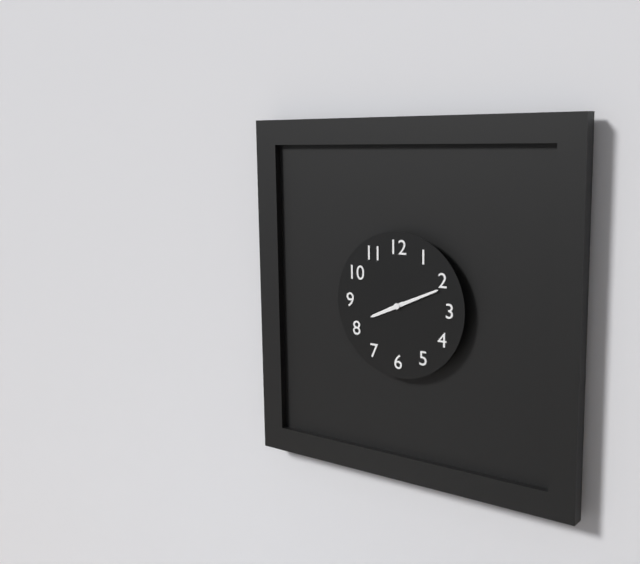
8h11
